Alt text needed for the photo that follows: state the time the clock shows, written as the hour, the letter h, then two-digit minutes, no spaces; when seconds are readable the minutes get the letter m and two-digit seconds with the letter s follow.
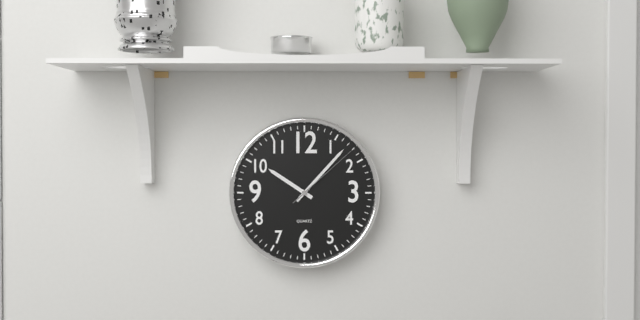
10h07m08s
